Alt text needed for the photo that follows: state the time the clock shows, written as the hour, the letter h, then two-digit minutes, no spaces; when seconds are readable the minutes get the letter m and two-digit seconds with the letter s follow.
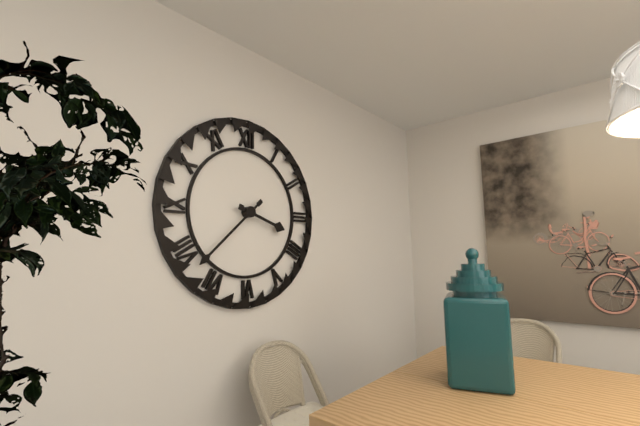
3h38
